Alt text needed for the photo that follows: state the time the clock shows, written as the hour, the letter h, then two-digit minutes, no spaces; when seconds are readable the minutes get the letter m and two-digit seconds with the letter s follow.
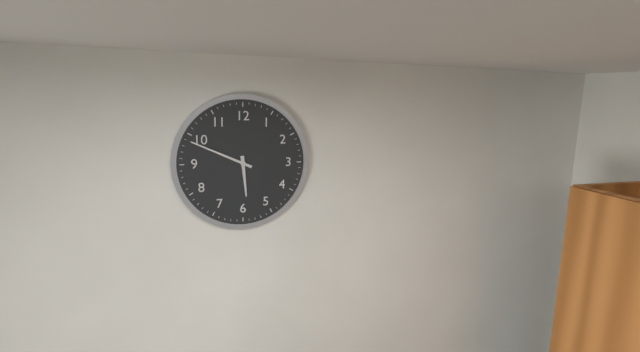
5h49
